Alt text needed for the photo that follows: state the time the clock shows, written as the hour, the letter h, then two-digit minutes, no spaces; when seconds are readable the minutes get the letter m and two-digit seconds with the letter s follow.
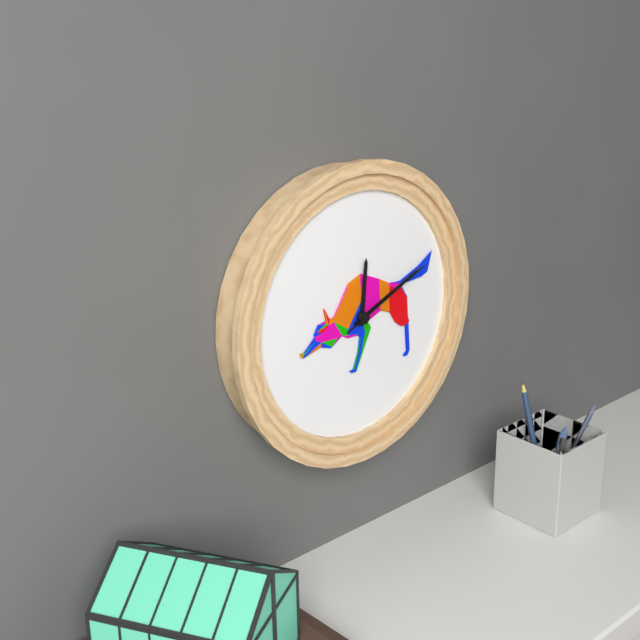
12h11m11s
